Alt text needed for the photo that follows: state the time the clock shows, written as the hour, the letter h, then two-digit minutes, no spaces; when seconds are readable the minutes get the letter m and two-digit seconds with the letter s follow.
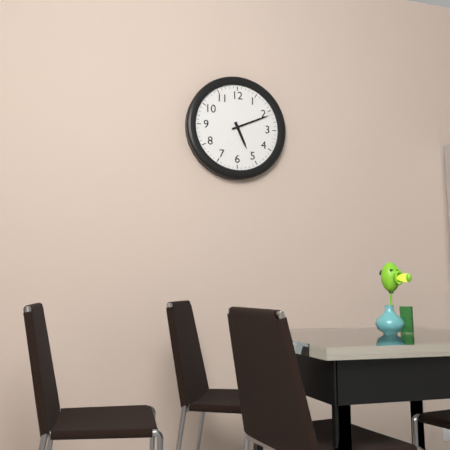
5h11
